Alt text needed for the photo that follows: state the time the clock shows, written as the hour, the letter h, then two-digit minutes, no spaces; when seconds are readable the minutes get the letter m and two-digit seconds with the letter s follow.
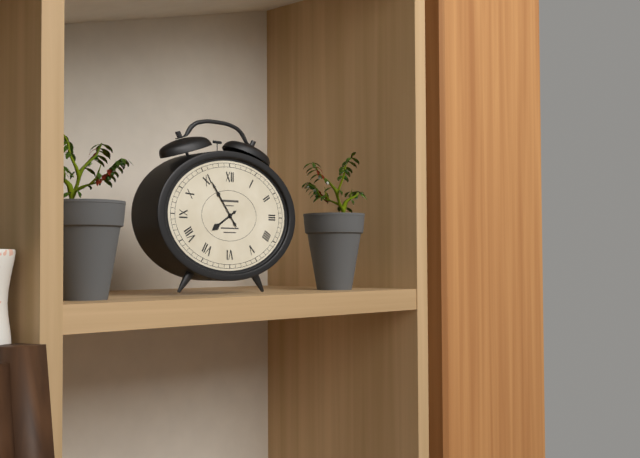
7h54
